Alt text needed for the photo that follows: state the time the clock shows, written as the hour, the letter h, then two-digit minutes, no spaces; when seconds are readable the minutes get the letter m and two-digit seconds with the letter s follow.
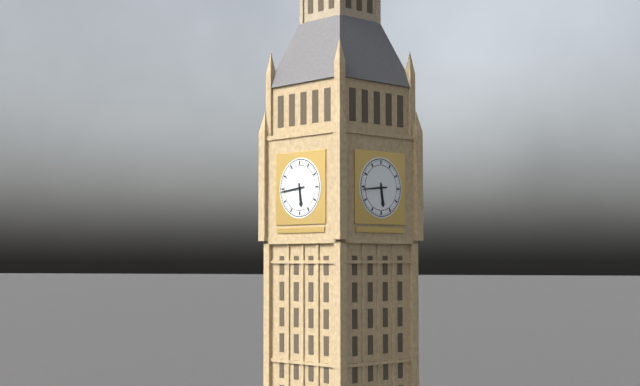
5h44
